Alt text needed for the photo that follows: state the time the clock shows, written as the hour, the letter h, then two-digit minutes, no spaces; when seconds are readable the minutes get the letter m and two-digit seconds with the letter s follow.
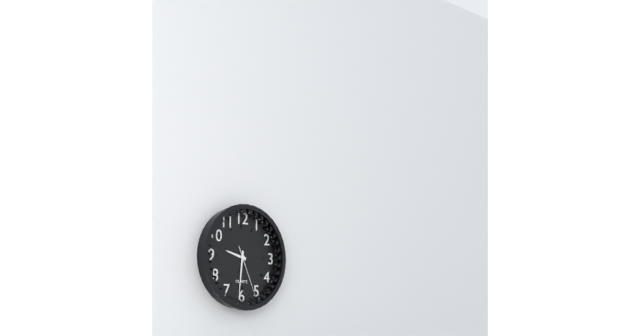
9h31m26s
